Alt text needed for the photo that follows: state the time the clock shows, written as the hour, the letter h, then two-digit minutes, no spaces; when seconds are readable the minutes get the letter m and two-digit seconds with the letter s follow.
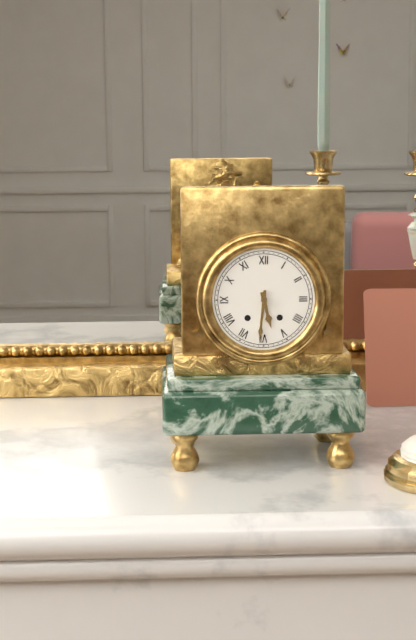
5h31
